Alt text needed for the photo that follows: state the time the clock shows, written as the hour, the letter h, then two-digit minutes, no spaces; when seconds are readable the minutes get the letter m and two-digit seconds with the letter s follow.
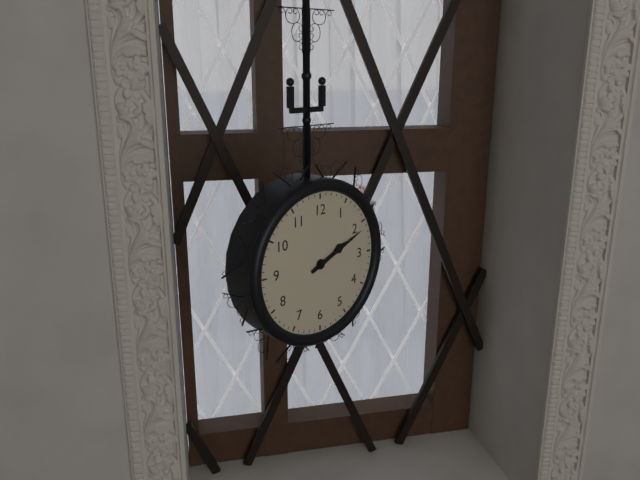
2h11
